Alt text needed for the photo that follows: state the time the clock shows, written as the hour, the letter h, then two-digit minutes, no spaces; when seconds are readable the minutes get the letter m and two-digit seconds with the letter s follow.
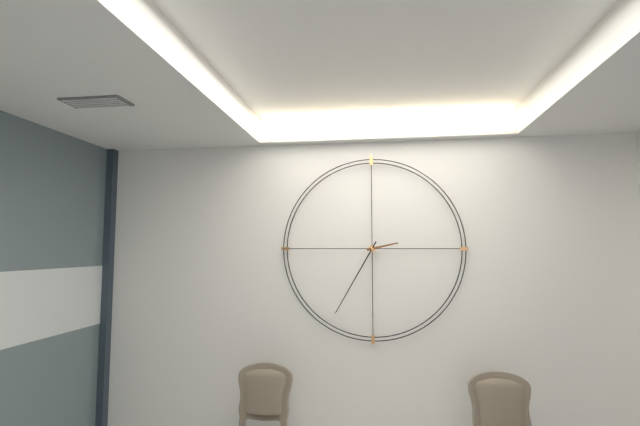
2h35
